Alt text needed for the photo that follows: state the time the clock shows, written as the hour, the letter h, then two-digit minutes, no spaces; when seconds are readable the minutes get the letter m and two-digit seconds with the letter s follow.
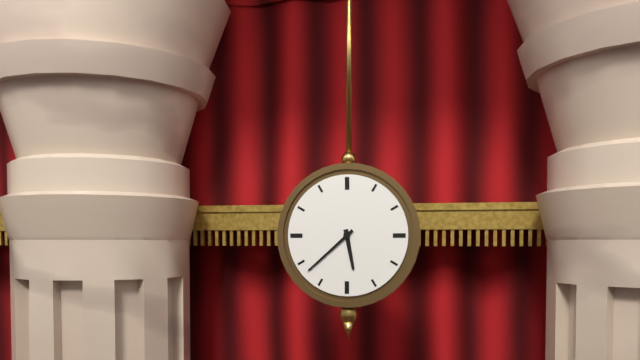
5h38
